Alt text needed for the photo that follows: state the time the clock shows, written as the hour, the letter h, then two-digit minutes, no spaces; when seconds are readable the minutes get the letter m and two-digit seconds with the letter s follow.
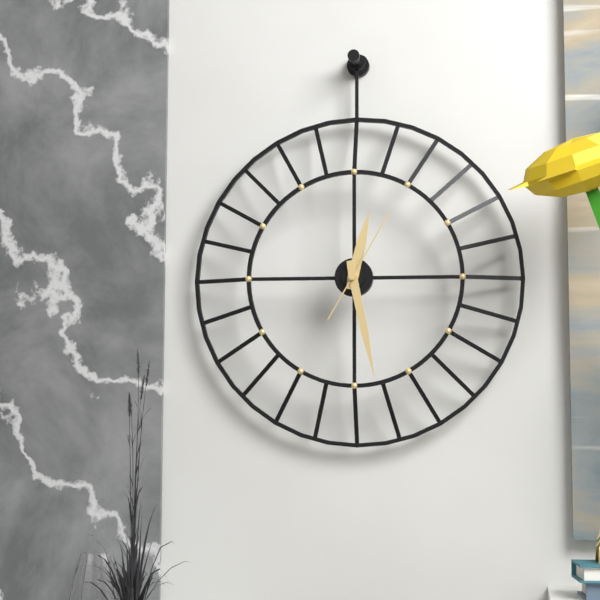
12h28m05s
